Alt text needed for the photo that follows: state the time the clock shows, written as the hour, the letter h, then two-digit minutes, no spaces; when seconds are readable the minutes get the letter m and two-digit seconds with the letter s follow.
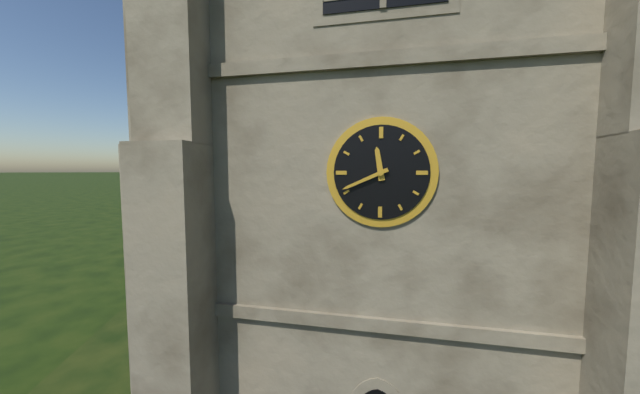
11h41
